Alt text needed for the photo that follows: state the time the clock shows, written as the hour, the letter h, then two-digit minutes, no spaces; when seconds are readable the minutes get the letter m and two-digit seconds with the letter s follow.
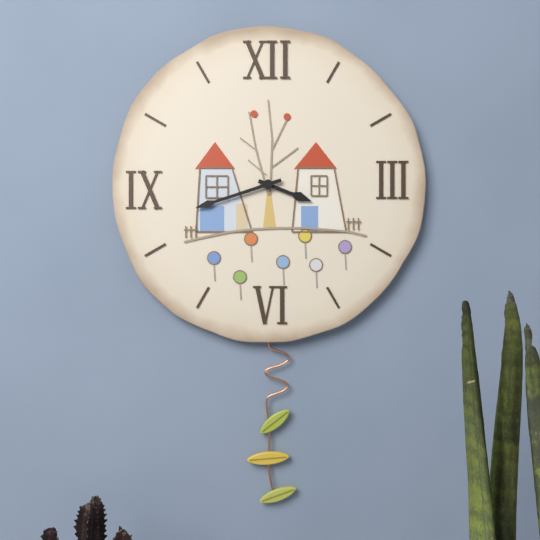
3h42
